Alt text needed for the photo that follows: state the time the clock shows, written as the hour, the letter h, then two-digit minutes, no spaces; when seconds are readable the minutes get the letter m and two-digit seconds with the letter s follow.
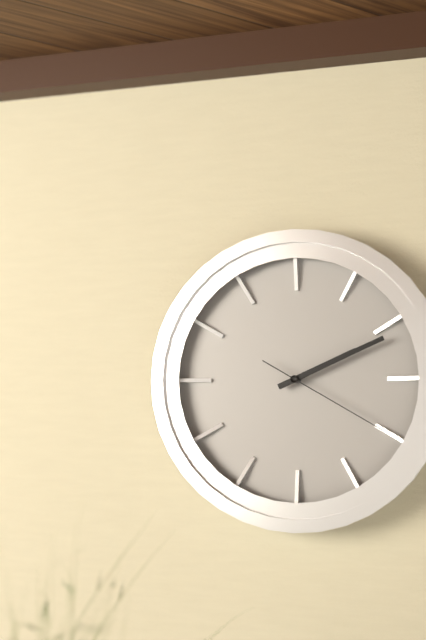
2h11m20s
